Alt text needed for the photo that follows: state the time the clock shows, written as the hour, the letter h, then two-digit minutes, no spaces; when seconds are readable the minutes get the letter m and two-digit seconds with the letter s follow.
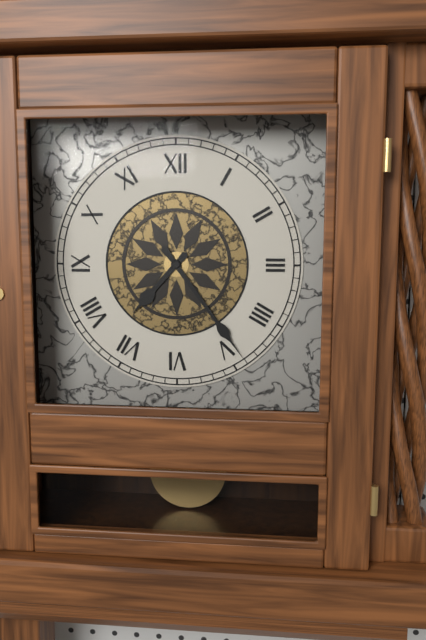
7h24
